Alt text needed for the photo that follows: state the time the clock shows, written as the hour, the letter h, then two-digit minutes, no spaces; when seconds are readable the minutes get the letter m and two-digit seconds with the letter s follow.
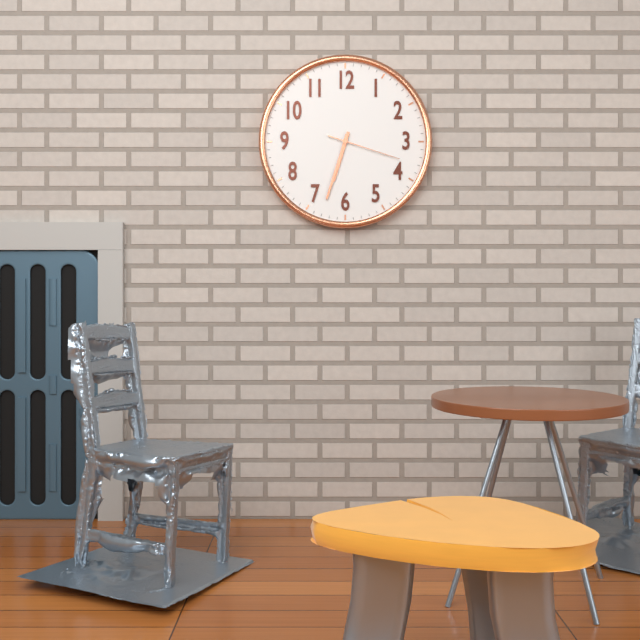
6h33m18s
